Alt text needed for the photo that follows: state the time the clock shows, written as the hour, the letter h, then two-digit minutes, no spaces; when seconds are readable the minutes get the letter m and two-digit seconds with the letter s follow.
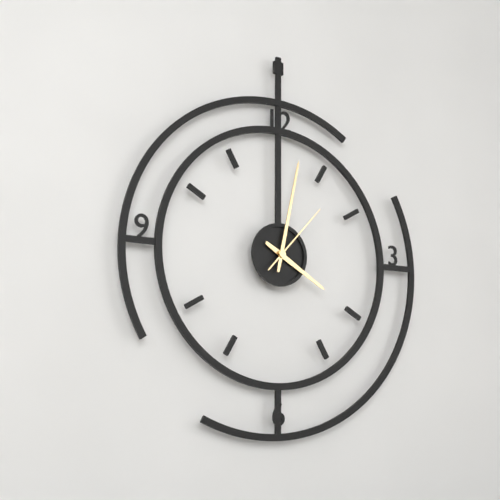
4h02m07s
